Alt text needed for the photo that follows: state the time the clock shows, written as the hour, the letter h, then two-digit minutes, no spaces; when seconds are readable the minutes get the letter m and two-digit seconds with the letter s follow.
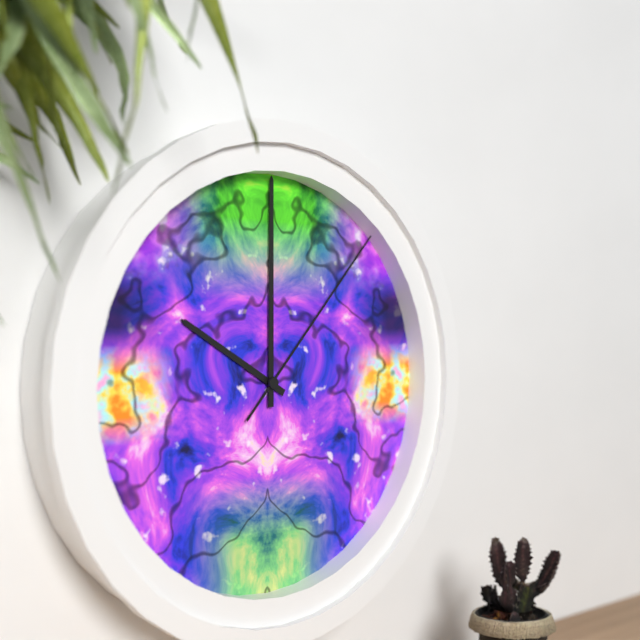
10h00m07s
